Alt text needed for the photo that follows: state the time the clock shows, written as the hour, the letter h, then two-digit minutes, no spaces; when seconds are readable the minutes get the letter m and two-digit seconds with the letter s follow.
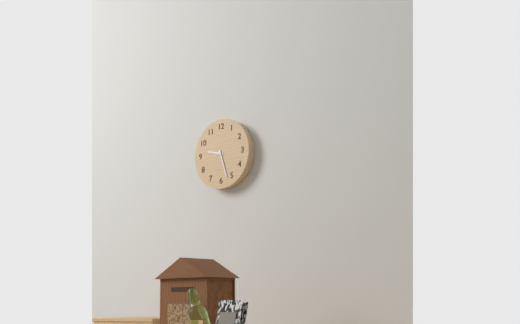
9h27
